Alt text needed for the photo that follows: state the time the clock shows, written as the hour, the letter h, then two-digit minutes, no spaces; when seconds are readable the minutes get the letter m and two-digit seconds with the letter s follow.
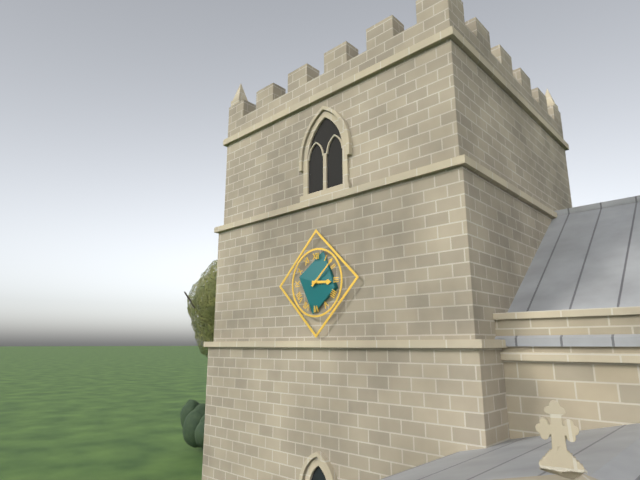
3h08
